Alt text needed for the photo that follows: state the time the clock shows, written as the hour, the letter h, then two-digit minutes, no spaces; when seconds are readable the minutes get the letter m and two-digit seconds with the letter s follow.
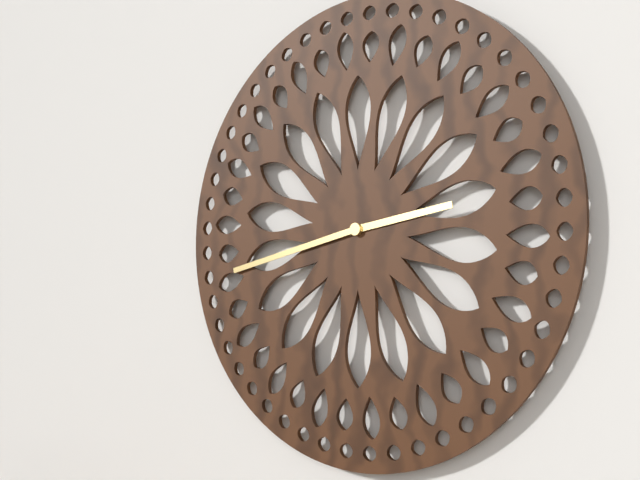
2h43
